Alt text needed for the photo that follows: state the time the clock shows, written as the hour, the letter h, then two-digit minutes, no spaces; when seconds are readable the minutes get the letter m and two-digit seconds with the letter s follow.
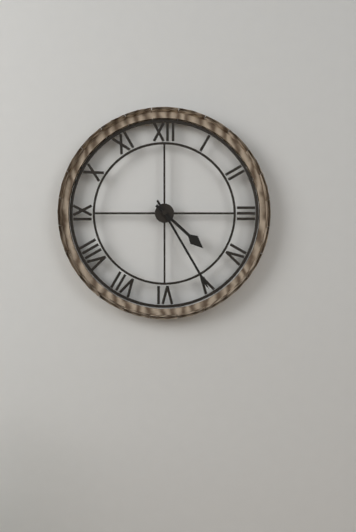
4h25
